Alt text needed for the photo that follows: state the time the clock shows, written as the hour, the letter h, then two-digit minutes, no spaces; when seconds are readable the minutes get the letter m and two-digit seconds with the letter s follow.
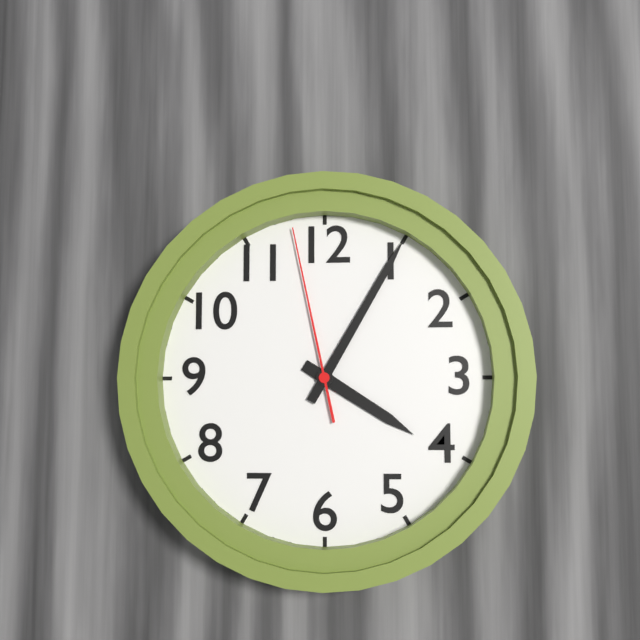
4h05m58s
